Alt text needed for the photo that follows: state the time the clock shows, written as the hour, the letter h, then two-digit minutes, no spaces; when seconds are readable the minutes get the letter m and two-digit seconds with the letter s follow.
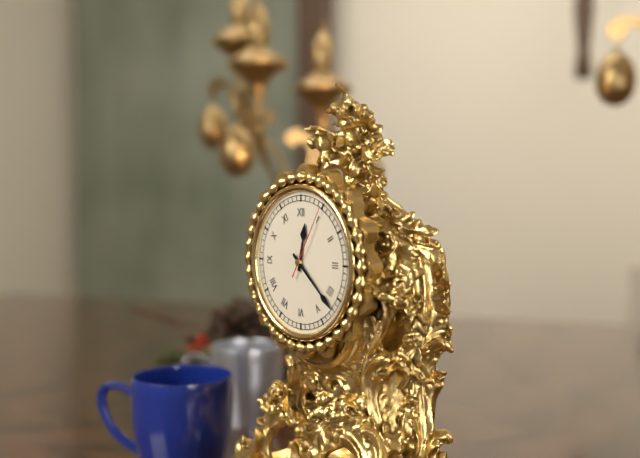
12h22m05s
